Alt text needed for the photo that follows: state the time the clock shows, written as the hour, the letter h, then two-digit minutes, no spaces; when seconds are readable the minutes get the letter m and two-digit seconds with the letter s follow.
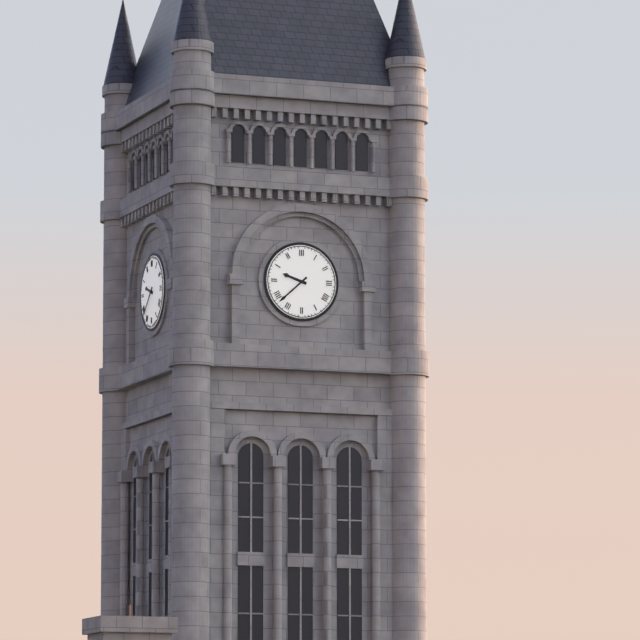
9h38
